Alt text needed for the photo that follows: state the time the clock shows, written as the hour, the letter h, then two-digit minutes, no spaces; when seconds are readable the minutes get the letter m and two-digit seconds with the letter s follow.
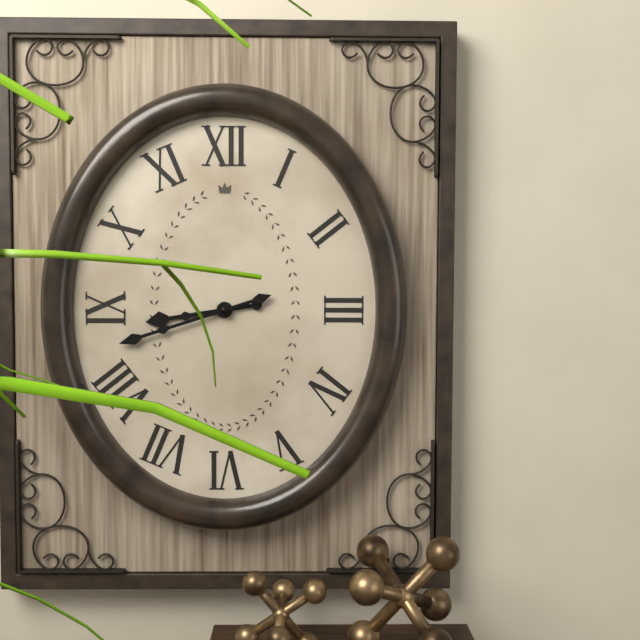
8h42
